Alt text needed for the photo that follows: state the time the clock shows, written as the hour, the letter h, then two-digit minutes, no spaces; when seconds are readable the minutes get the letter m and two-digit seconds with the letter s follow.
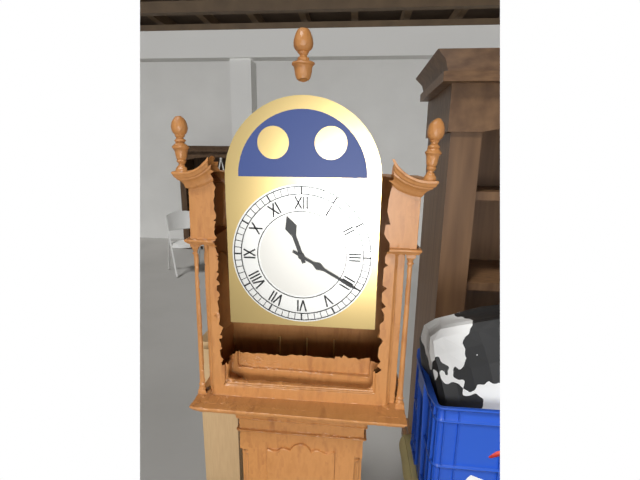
11h20
